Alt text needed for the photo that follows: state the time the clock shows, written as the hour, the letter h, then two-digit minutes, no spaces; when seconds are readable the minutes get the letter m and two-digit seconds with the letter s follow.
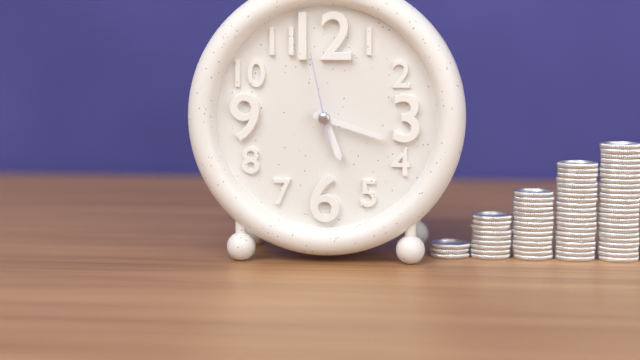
5h18m58s
